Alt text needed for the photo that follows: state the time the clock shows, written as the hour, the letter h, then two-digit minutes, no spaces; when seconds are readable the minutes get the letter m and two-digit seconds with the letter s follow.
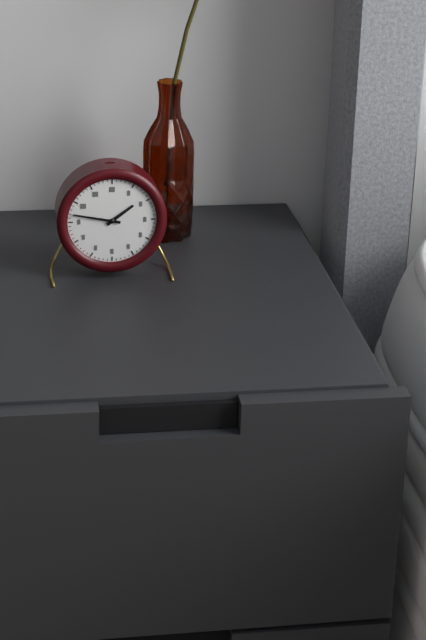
1h47
